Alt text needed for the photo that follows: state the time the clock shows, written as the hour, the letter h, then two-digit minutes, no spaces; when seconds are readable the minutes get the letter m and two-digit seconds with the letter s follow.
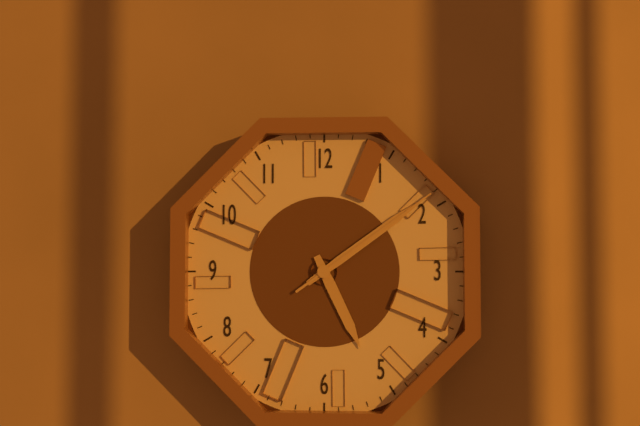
5h09m09s
